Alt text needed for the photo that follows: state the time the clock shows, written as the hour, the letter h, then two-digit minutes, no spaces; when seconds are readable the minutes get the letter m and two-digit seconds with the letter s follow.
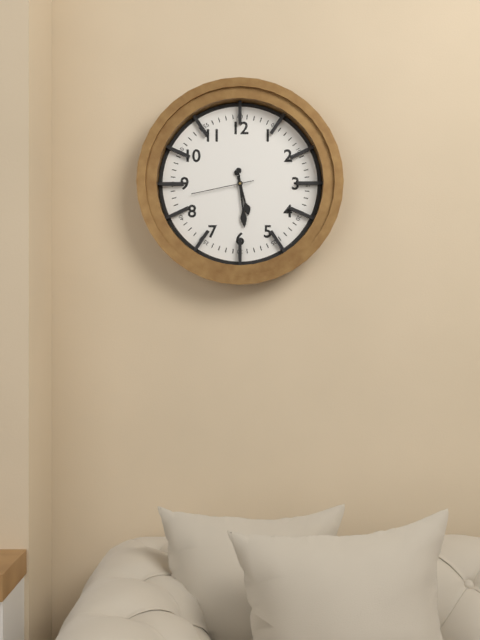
5h29m43s
